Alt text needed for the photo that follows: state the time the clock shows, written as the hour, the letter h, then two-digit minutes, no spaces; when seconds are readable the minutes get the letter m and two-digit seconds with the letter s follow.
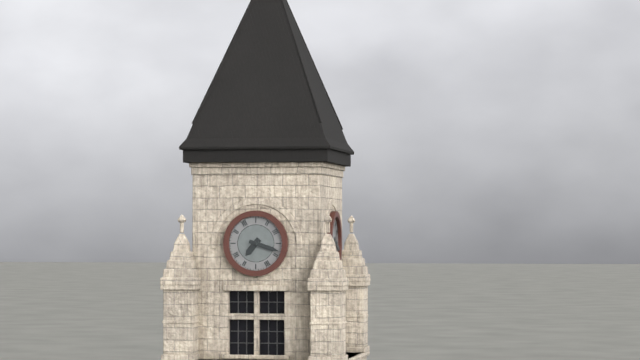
7h18
